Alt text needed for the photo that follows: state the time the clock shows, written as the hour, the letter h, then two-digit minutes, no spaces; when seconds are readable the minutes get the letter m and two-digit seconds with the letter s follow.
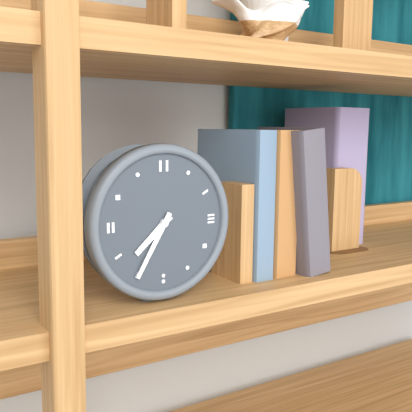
7h35
